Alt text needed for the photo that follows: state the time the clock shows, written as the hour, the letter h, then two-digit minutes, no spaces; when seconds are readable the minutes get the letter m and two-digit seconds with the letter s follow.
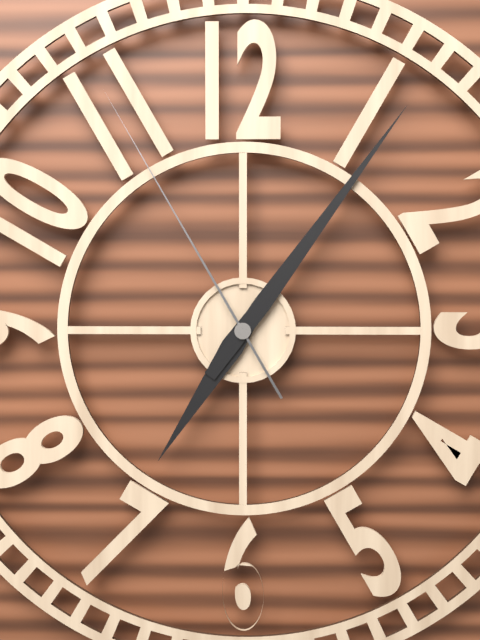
7h06m55s
